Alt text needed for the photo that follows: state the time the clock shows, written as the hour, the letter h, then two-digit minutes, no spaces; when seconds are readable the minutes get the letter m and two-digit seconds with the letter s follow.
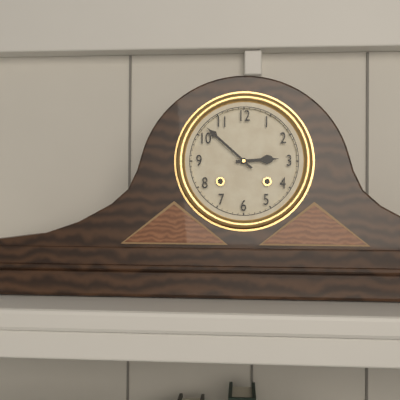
2h52
